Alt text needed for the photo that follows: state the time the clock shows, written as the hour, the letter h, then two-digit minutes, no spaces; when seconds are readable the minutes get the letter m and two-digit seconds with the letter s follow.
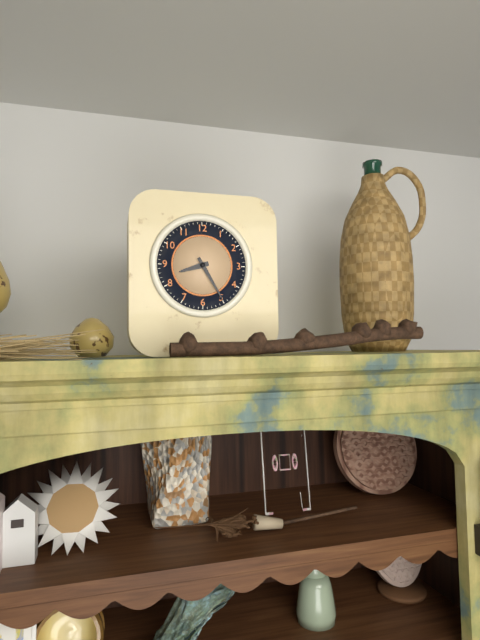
8h25
